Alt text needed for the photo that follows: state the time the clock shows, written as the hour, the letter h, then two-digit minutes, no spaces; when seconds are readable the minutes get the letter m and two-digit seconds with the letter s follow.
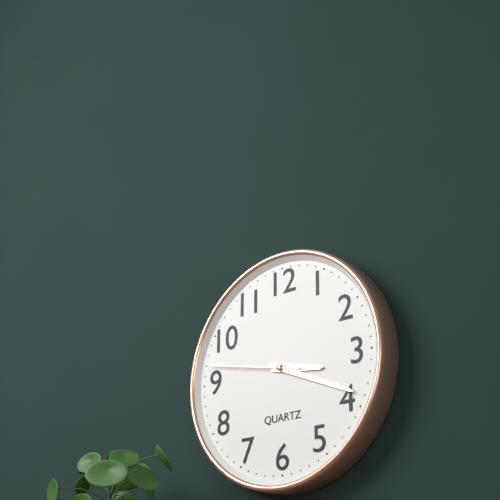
3h19m47s
